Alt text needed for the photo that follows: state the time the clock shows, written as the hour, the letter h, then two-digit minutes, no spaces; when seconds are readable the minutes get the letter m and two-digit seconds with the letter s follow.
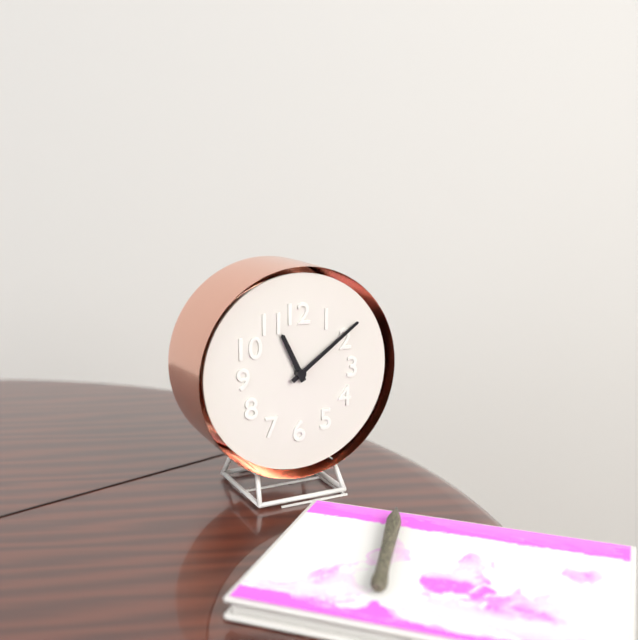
11h09
